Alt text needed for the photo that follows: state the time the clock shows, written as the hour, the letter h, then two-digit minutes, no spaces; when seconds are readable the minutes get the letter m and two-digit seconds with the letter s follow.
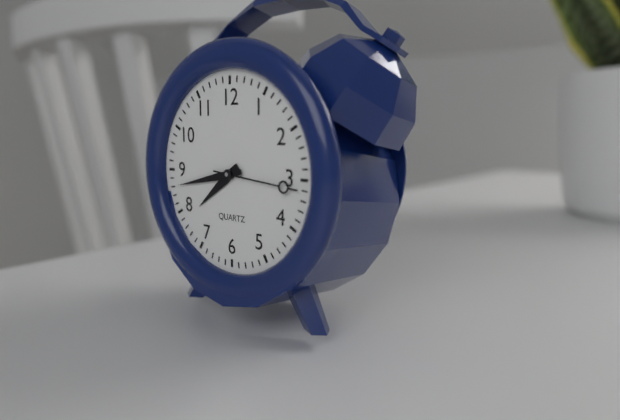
7h43m16s
